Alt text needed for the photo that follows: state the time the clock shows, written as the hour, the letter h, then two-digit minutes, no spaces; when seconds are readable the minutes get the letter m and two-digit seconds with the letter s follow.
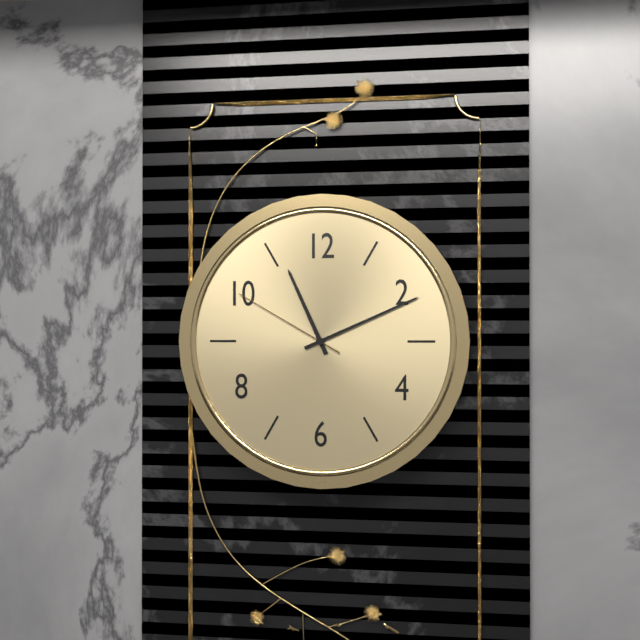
11h11m50s
